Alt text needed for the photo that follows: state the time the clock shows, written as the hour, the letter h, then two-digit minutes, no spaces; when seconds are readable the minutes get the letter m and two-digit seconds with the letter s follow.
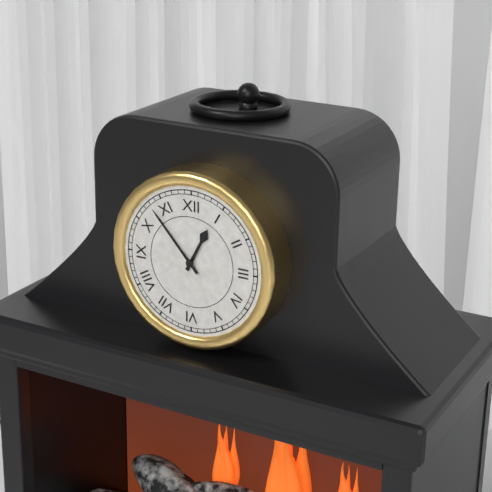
12h53
